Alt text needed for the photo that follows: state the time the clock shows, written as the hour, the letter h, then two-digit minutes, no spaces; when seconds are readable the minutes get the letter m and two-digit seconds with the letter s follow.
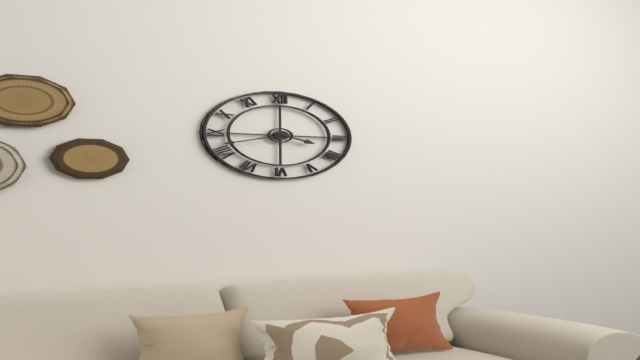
3h42
